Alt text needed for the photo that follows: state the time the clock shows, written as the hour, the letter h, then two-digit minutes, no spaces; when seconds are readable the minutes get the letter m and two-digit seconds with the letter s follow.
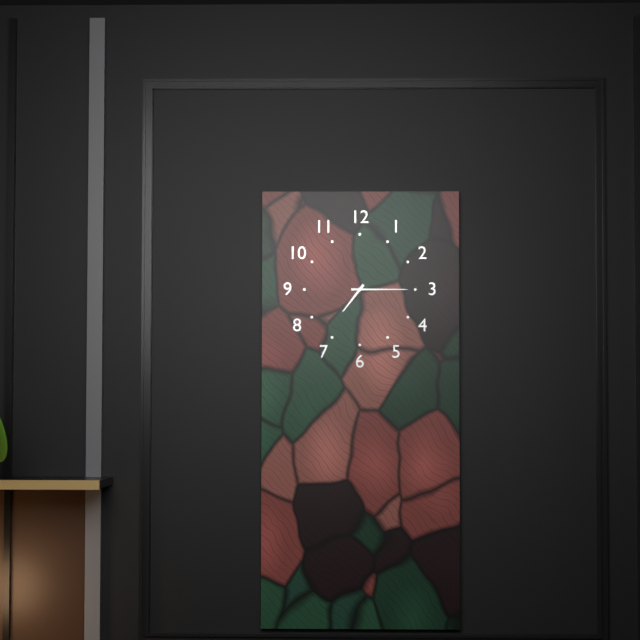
7h15
